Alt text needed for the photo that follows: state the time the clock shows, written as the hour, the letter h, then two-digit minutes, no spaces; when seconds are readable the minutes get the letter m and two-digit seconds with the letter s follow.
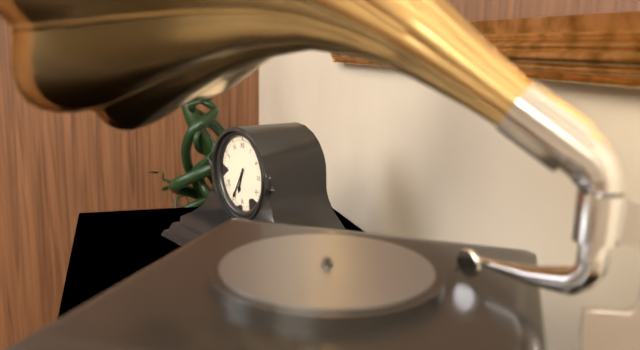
6h35
